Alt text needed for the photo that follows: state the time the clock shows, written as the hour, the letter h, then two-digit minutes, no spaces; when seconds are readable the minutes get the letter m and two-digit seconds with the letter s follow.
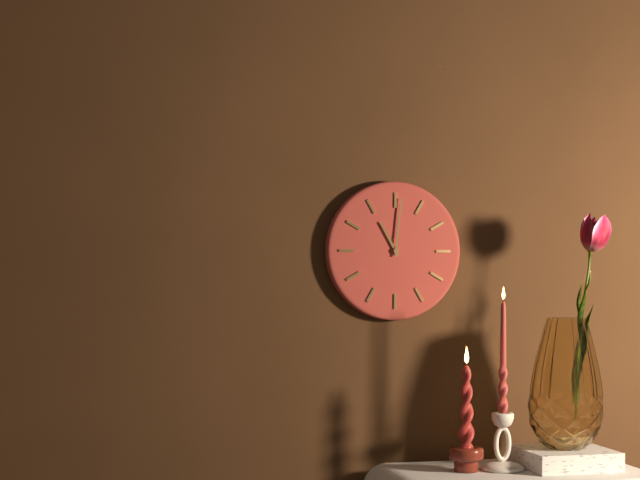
11h01
